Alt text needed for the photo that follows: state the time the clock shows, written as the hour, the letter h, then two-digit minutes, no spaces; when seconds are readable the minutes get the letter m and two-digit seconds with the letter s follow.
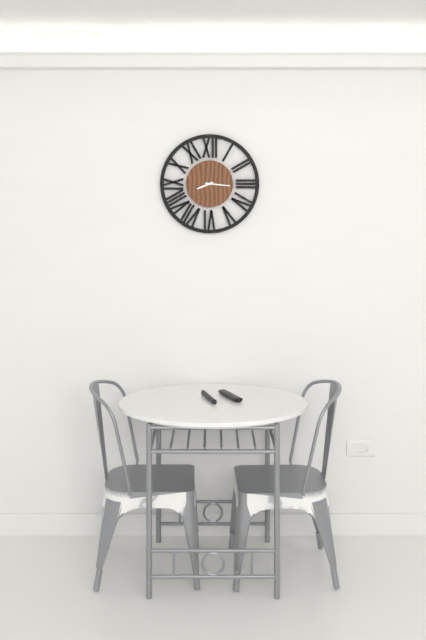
8h16
